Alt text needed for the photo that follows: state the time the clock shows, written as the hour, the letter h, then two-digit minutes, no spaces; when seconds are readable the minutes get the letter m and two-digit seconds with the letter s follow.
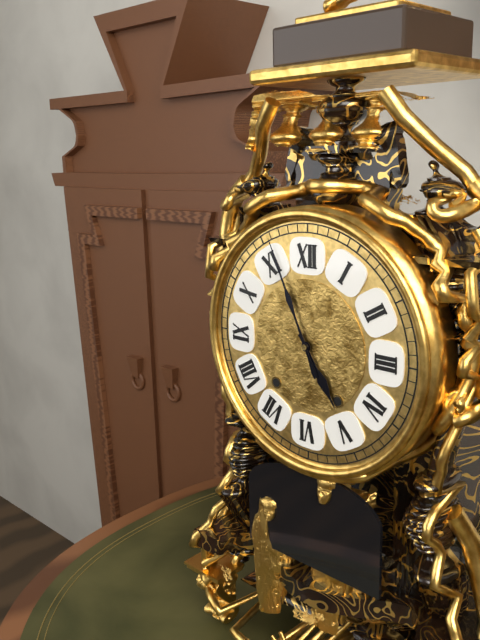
4h56
